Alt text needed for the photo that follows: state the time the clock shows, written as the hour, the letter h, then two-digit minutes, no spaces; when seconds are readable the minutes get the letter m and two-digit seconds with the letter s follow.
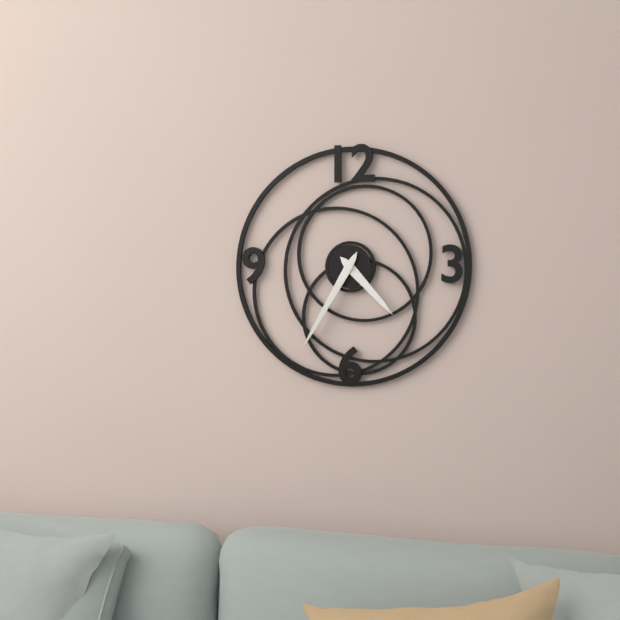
4h35
